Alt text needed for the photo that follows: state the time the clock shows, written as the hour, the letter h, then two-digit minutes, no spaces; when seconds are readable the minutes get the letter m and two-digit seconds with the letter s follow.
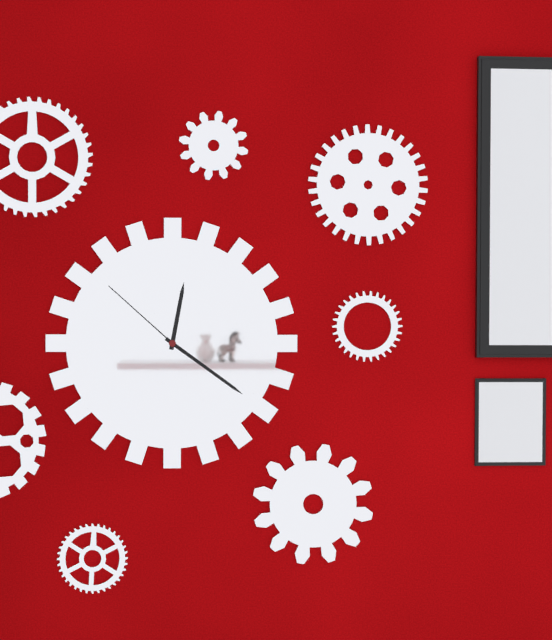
12h21m52s
